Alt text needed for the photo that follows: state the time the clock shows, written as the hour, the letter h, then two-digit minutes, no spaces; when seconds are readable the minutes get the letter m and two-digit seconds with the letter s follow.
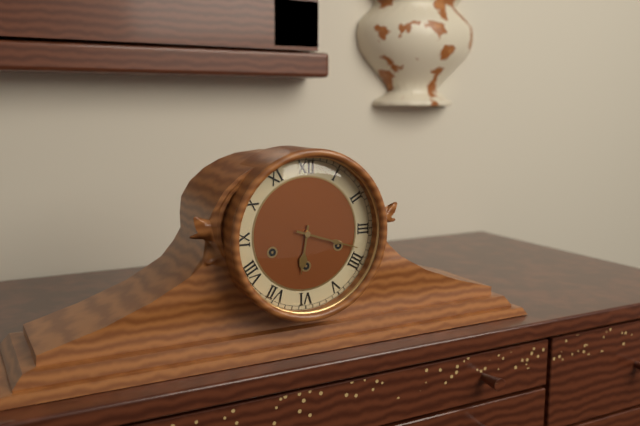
6h18
